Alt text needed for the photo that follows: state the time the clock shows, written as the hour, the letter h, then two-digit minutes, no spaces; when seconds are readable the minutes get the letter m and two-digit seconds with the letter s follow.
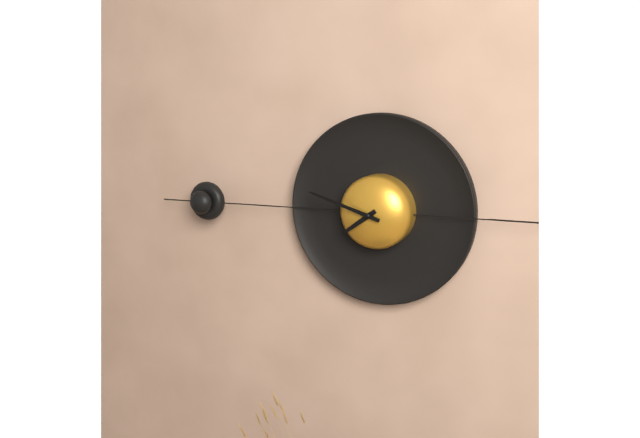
7h48
